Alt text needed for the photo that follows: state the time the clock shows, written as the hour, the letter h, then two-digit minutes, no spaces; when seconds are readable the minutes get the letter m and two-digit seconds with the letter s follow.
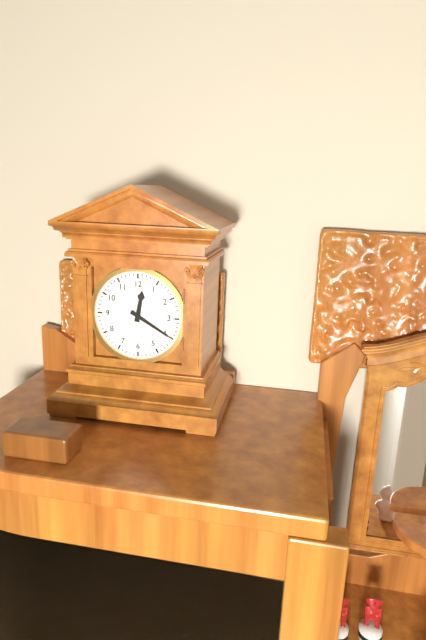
12h20
